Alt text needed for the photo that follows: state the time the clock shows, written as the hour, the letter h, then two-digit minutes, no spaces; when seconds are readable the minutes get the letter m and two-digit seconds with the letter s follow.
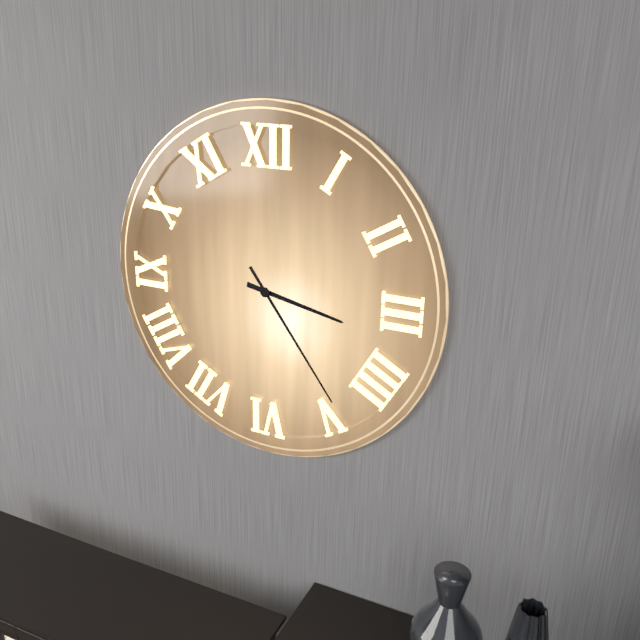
3h24
